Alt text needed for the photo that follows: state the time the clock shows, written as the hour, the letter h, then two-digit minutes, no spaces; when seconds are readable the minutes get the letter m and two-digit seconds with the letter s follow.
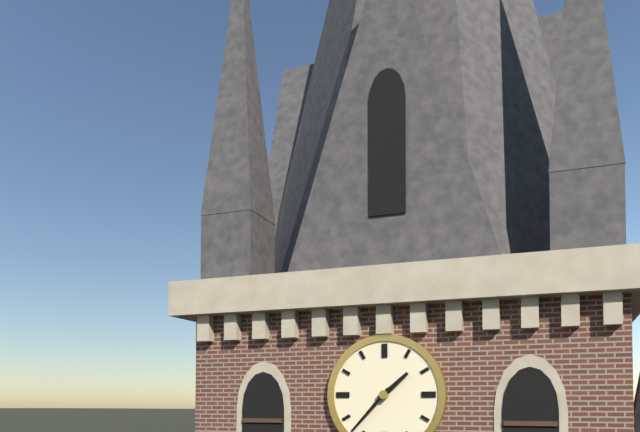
1h37
